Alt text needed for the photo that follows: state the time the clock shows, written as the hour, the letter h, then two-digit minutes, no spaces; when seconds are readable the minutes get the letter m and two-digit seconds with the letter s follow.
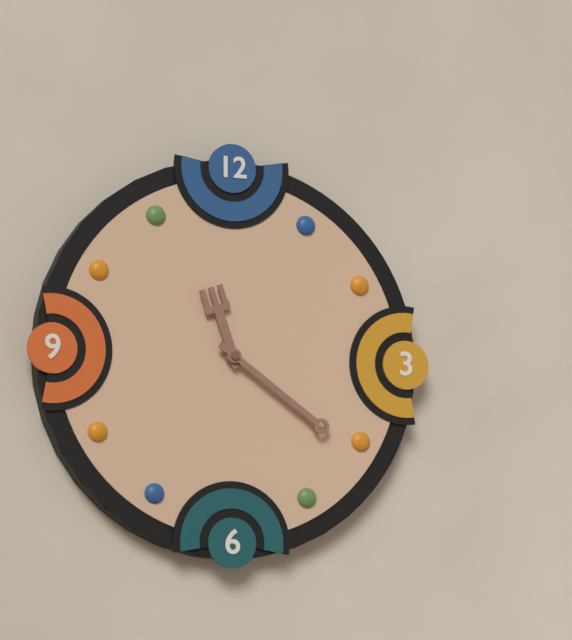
11h21
